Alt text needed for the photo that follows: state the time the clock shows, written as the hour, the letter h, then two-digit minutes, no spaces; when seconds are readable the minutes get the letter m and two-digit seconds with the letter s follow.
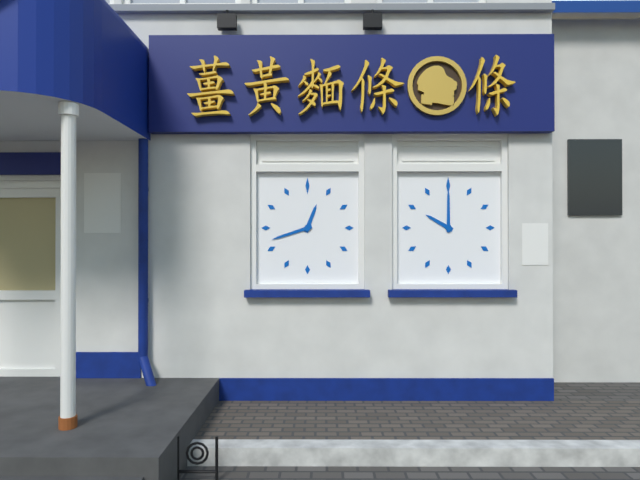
12h42
